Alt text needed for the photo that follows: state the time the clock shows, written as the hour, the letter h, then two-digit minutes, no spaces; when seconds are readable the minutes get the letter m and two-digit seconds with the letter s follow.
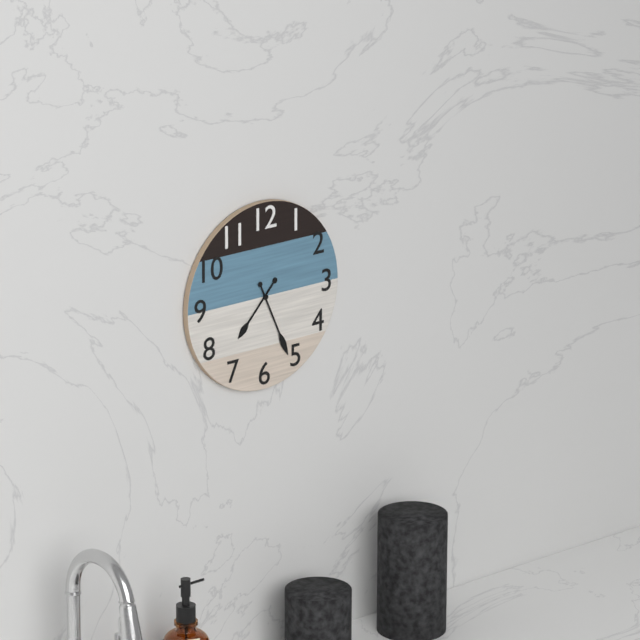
7h26
